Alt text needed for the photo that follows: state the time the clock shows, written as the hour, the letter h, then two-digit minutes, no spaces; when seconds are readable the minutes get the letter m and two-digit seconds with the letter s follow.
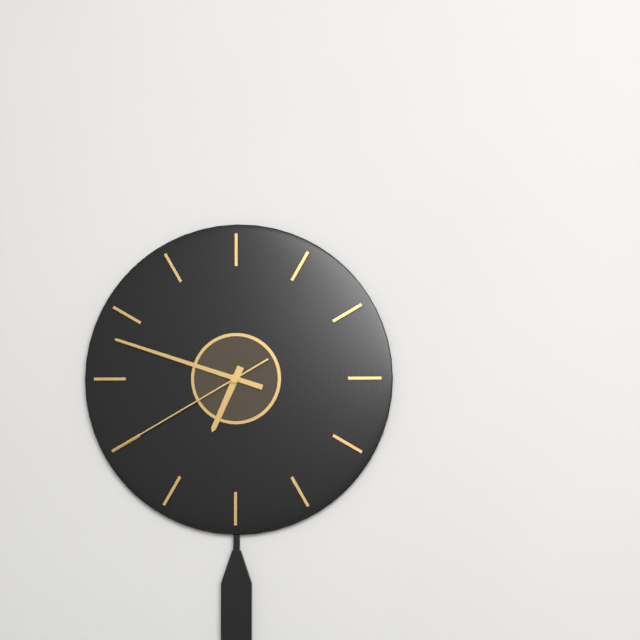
6h48m40s
